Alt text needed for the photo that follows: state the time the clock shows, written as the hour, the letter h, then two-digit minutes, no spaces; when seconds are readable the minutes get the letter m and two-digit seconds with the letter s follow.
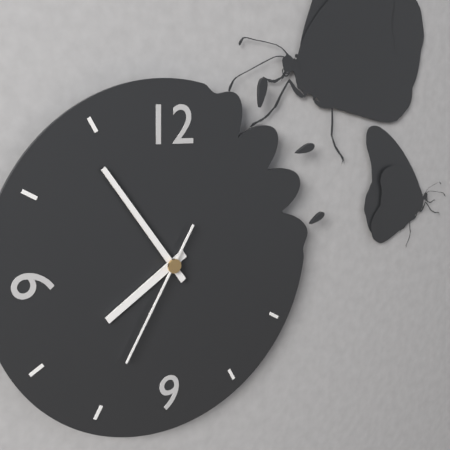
7h54m35s
